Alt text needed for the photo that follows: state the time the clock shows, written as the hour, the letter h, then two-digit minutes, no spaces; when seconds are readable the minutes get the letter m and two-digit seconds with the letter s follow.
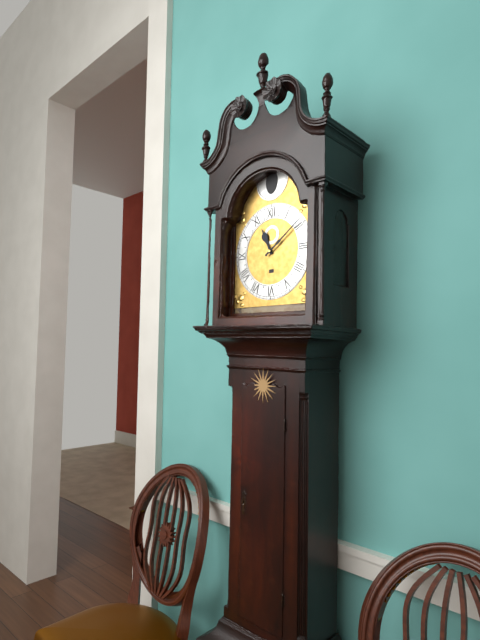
11h09
